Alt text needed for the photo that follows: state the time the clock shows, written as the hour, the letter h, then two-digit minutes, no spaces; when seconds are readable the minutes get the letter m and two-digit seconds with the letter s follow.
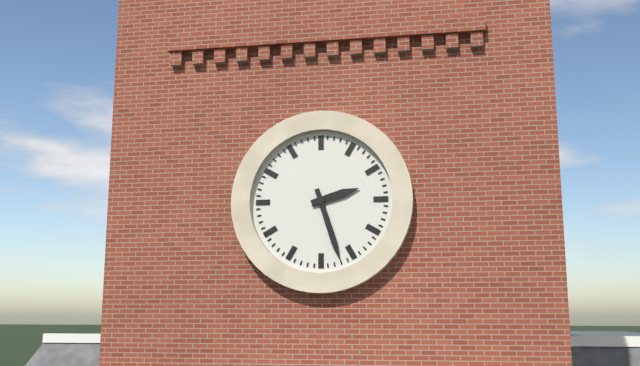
2h27
